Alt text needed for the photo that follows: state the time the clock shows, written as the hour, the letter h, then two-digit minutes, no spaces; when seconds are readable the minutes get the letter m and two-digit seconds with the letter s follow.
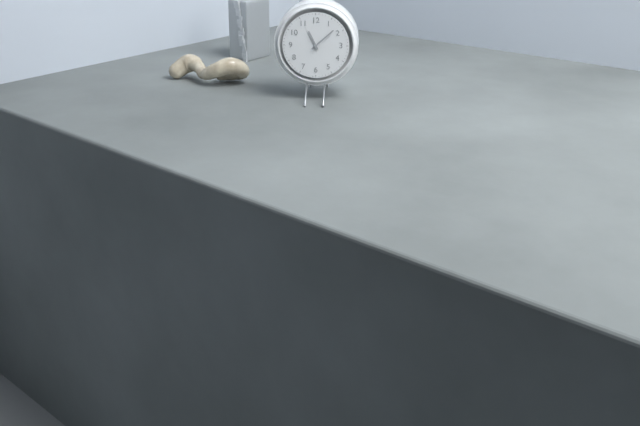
11h08
